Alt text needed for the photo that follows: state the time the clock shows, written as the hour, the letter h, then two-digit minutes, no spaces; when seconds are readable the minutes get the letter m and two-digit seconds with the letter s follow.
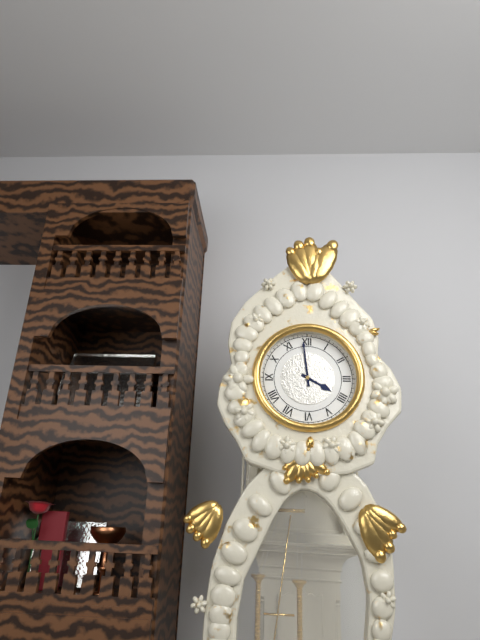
3h59
